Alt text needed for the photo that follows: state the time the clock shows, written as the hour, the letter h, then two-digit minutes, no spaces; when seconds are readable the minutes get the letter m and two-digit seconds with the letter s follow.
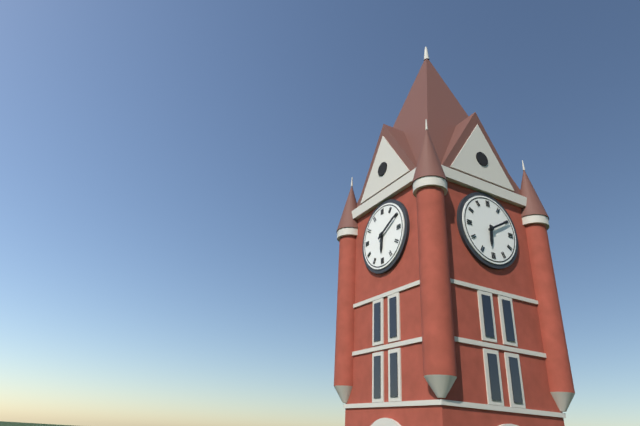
6h10
